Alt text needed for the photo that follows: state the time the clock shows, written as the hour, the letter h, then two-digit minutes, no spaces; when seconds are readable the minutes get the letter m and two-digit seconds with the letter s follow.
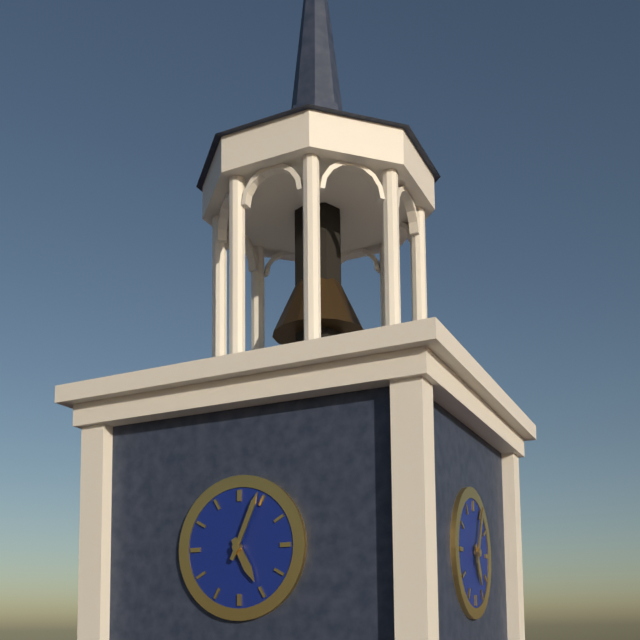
5h04
